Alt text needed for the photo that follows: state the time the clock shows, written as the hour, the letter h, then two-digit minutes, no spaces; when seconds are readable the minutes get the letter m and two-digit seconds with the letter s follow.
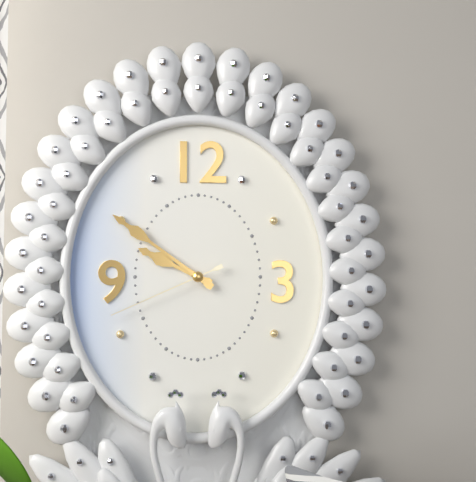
9h51m41s
